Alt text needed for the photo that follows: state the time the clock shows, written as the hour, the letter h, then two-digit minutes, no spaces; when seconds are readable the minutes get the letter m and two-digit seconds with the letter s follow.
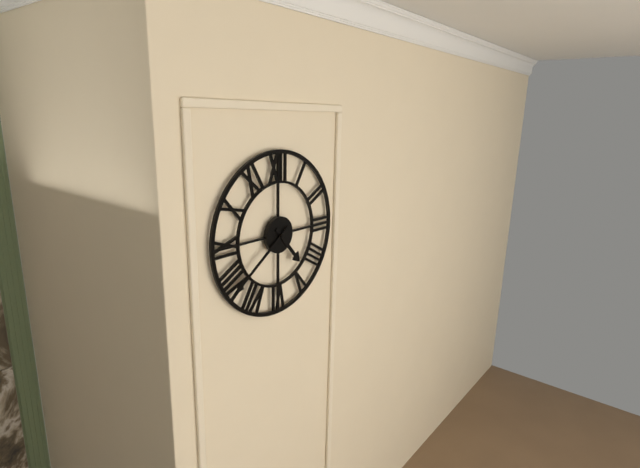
4h39
